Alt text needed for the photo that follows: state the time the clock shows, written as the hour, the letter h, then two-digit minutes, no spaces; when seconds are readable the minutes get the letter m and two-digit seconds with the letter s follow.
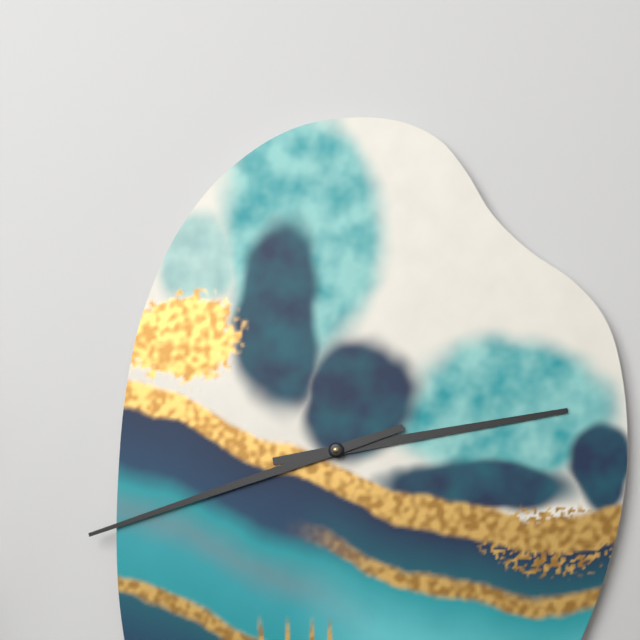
2h42
